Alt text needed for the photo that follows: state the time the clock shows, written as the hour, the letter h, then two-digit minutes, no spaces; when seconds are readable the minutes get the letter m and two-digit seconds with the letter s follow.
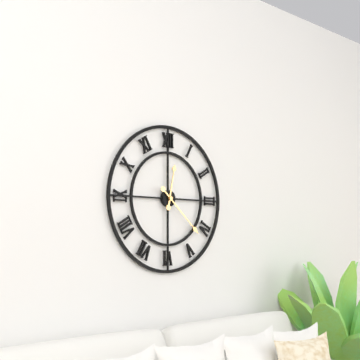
12h22
